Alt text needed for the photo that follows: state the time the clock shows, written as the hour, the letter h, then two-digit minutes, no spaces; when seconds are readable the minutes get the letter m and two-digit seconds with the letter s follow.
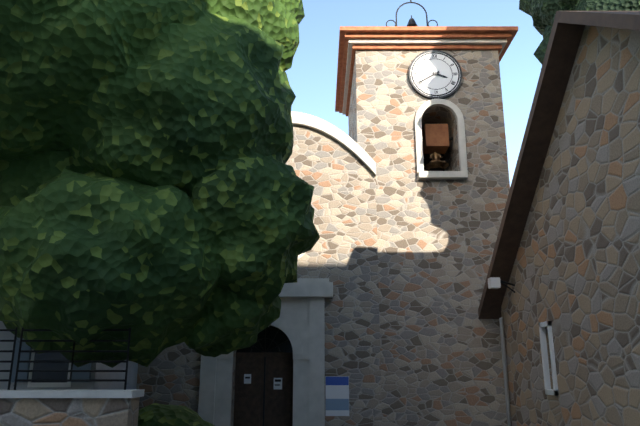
3h40
